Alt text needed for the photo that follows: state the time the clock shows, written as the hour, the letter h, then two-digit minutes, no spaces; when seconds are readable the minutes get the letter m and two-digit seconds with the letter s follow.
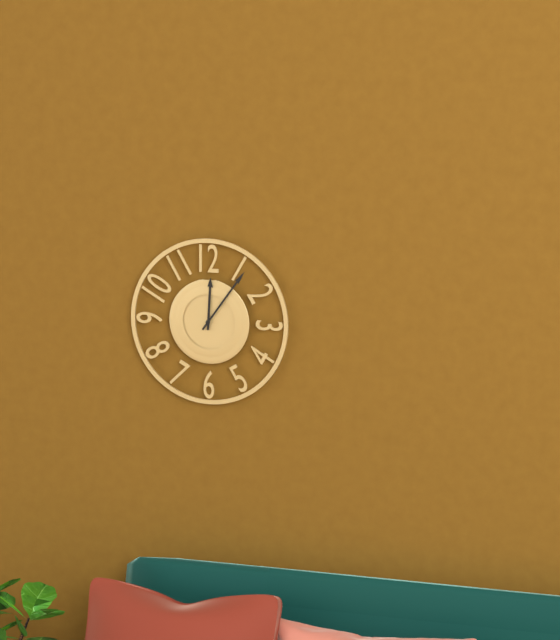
12h06
